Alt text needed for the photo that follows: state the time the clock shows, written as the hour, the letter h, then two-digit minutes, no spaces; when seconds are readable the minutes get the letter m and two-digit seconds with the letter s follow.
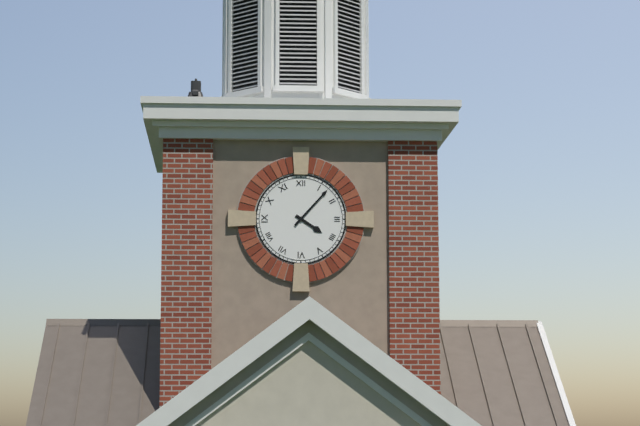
4h07
